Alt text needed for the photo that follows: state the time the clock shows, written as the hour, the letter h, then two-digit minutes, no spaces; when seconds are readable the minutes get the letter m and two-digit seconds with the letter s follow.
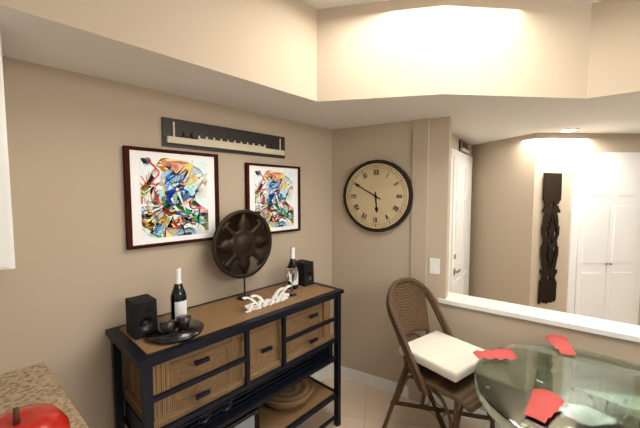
5h50
